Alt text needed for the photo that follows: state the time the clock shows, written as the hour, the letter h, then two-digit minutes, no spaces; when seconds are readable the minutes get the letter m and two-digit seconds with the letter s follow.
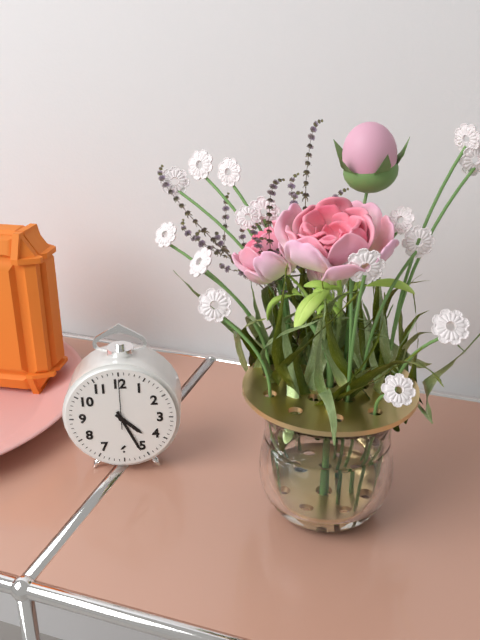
4h26m00s
